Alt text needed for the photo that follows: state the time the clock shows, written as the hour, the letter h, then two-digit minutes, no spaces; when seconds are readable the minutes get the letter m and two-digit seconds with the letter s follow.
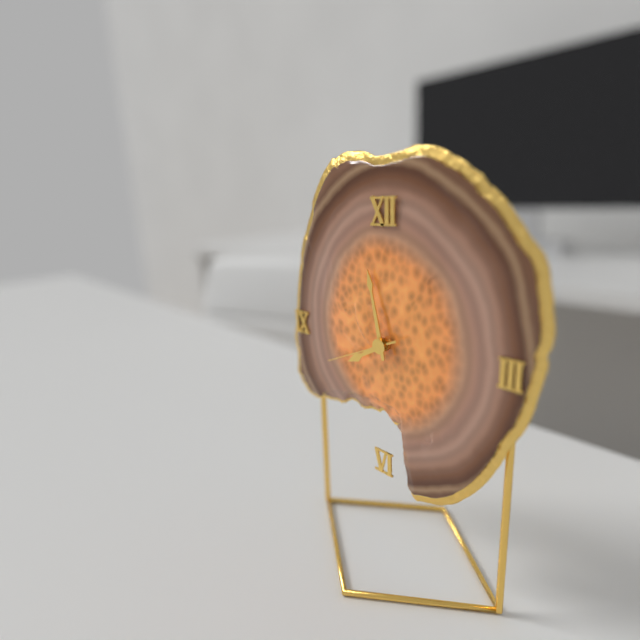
7h58m41s
